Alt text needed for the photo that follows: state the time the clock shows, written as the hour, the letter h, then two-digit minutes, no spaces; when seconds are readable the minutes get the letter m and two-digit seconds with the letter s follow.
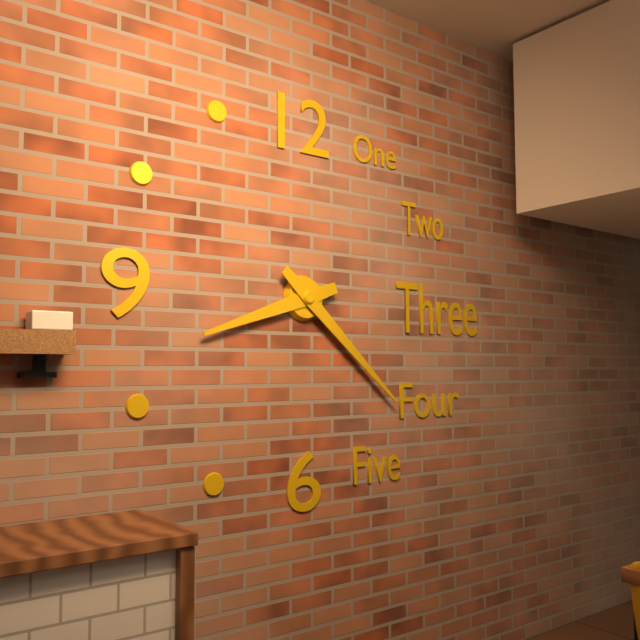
8h22
